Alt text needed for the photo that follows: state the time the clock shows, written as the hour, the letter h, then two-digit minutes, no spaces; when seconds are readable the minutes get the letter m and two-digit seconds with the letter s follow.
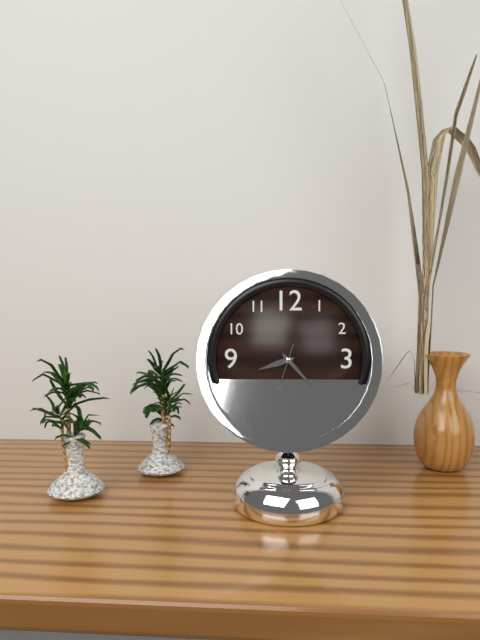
8h23
